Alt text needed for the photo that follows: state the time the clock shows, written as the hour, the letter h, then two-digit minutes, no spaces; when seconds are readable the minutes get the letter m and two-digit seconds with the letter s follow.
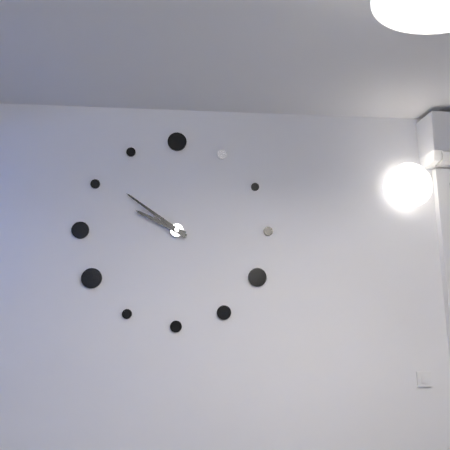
9h51
